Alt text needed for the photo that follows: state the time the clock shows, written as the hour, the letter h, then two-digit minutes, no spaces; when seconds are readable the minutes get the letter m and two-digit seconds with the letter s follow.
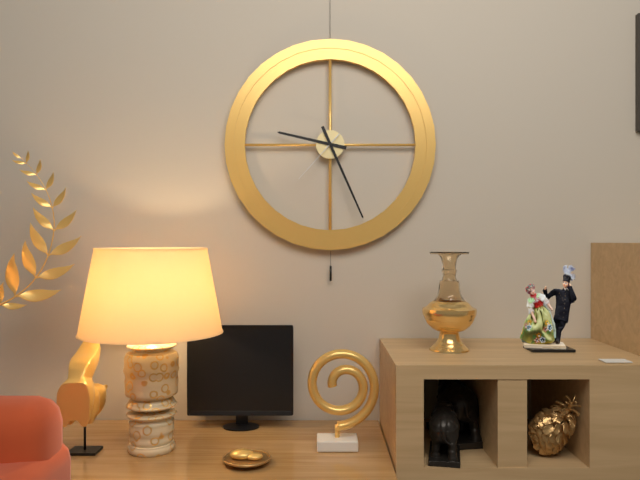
9h26m37s
